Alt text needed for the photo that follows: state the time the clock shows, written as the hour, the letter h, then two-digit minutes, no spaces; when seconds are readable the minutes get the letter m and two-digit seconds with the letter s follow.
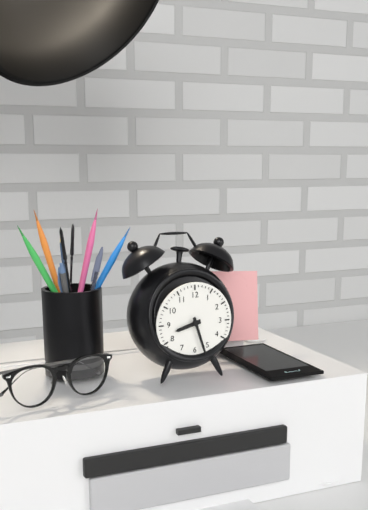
8h27
